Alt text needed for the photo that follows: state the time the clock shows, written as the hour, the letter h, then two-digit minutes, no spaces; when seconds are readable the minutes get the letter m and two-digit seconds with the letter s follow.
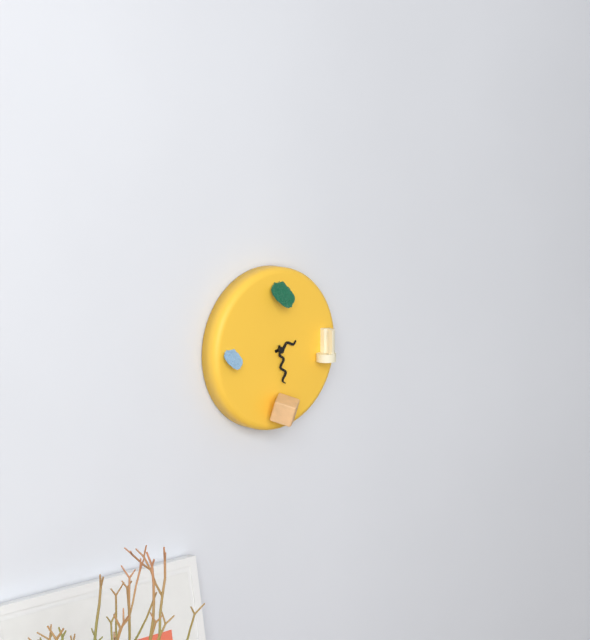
2h28
